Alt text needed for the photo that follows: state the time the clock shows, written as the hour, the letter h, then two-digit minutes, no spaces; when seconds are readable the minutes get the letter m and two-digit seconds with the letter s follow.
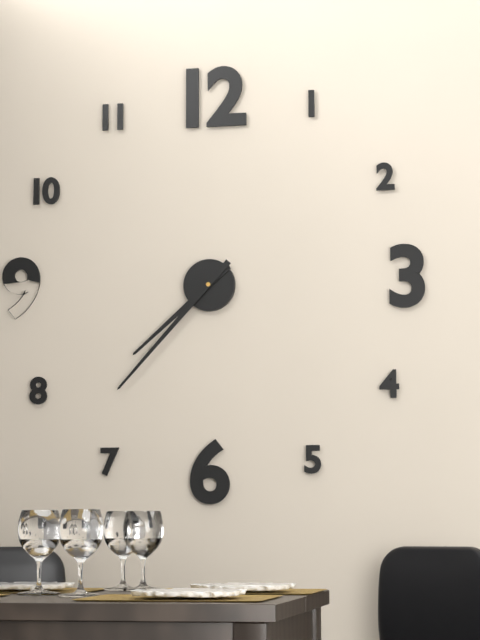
7h37
